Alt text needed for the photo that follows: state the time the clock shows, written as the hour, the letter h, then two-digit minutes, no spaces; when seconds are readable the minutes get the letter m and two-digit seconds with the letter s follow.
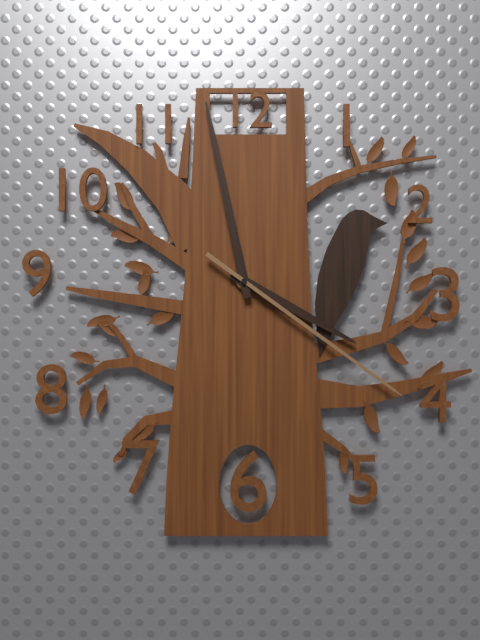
3h58m21s
